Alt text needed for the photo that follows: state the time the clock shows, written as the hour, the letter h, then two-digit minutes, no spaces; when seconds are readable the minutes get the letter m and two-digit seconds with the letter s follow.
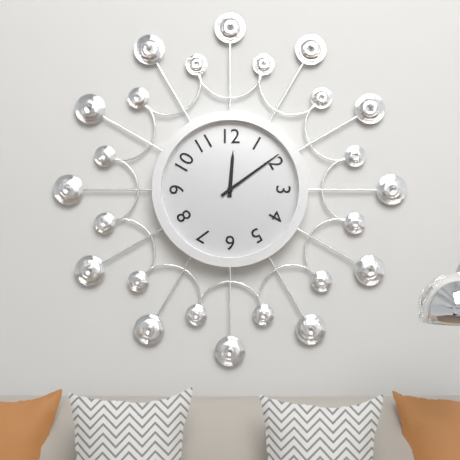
12h09
